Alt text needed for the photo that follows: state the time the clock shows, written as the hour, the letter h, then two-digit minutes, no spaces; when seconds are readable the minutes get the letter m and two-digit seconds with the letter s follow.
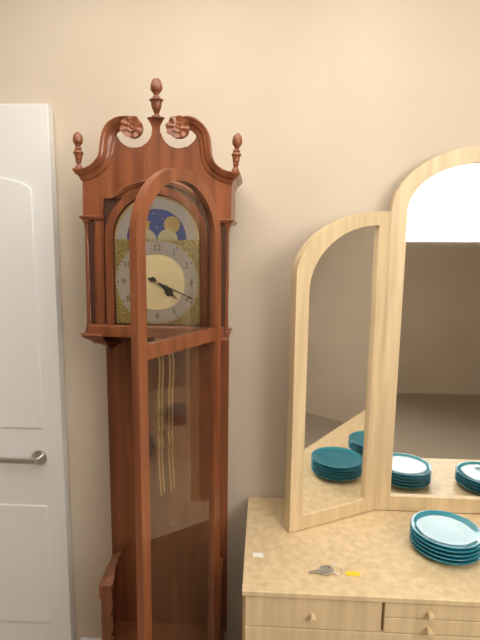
4h19
